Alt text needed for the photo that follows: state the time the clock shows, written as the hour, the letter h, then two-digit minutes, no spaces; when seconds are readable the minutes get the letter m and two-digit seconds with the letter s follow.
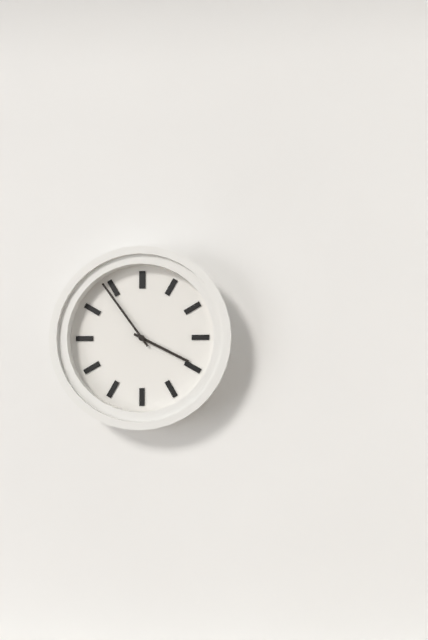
3h54
